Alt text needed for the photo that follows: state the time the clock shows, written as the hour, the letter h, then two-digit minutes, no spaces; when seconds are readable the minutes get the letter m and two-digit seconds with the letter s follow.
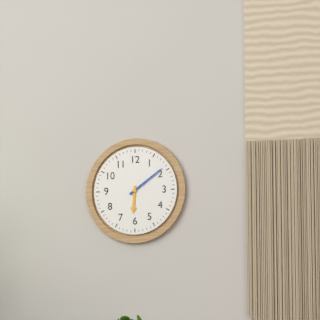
6h09
